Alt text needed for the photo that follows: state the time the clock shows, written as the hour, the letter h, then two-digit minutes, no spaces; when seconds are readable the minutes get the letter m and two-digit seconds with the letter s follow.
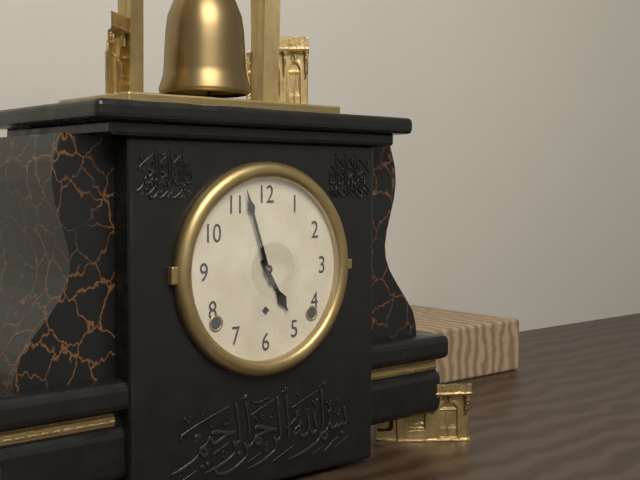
4h57
